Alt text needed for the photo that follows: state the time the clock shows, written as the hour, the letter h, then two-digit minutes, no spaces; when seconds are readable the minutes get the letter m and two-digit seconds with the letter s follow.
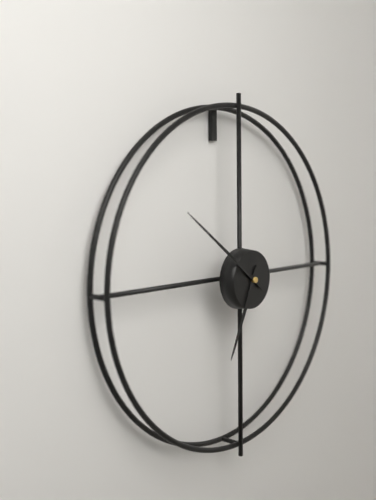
6h51
